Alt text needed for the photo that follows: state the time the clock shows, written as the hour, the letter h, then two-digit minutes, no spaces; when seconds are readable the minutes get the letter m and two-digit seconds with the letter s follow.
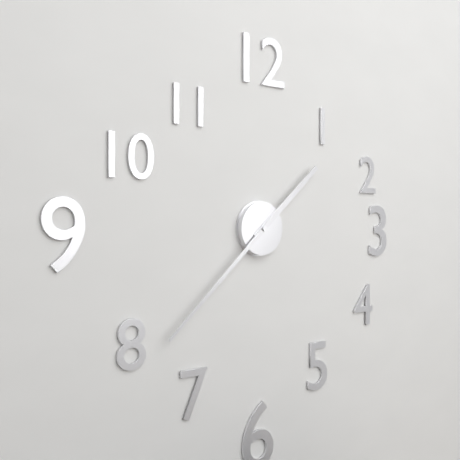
1h38
